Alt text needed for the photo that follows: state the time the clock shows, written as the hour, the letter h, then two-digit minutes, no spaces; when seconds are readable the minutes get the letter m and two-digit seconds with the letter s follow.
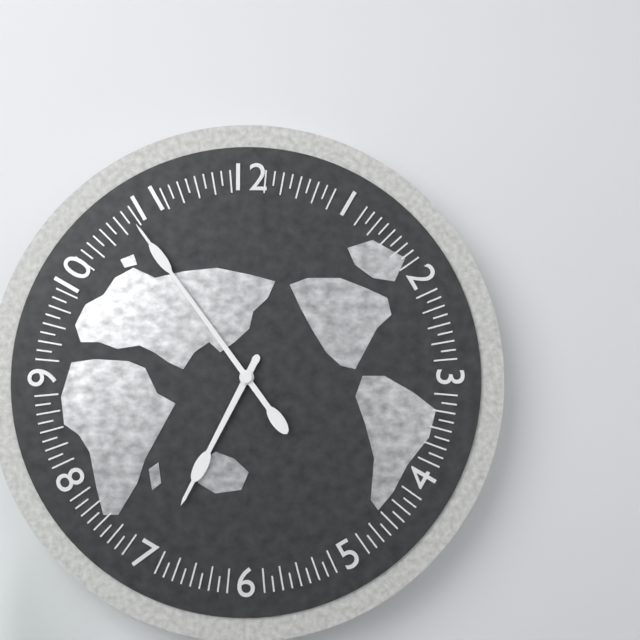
6h54
